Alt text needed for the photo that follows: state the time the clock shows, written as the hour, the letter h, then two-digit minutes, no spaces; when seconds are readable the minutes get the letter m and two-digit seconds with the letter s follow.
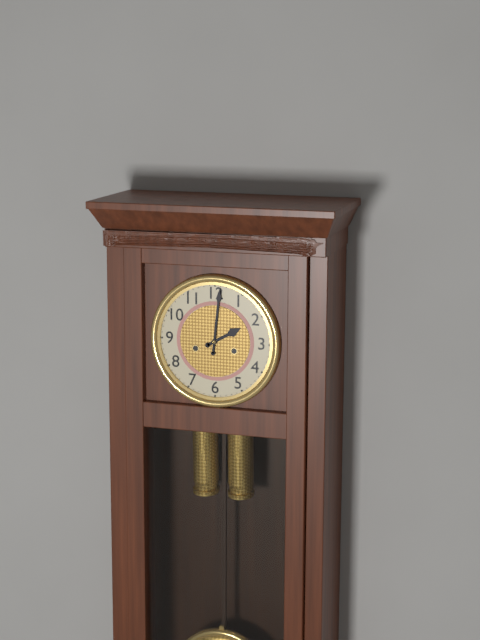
2h01
